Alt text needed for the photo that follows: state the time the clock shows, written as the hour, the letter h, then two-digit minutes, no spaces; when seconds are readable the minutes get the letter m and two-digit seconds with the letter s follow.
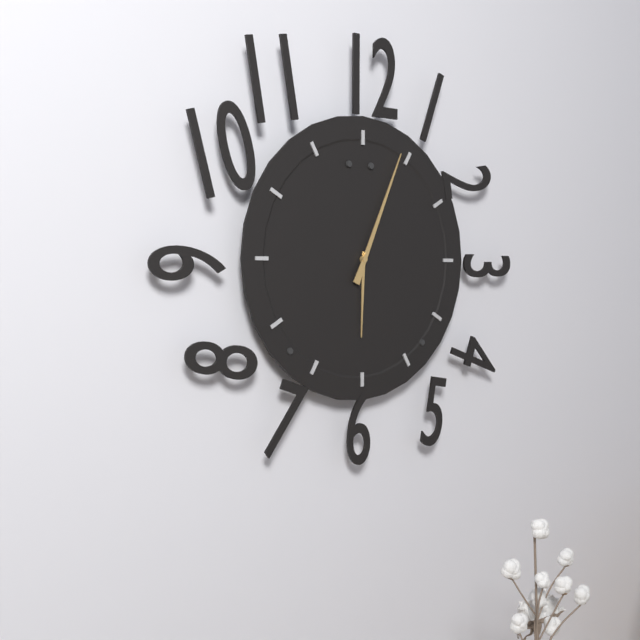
6h04
